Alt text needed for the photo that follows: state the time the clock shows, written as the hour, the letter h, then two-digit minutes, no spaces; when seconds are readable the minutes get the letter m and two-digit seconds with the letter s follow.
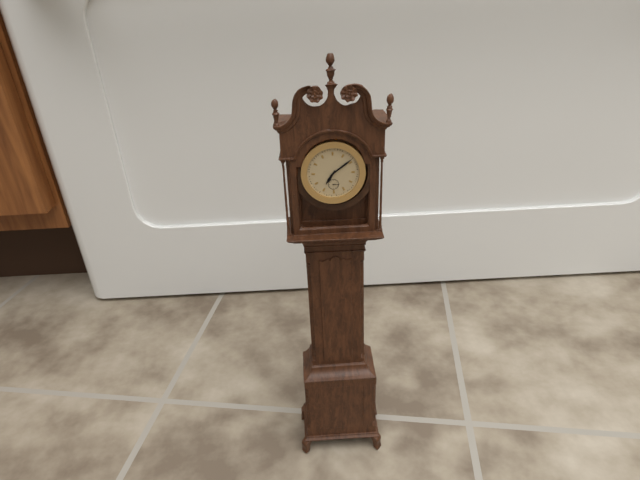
7h09
